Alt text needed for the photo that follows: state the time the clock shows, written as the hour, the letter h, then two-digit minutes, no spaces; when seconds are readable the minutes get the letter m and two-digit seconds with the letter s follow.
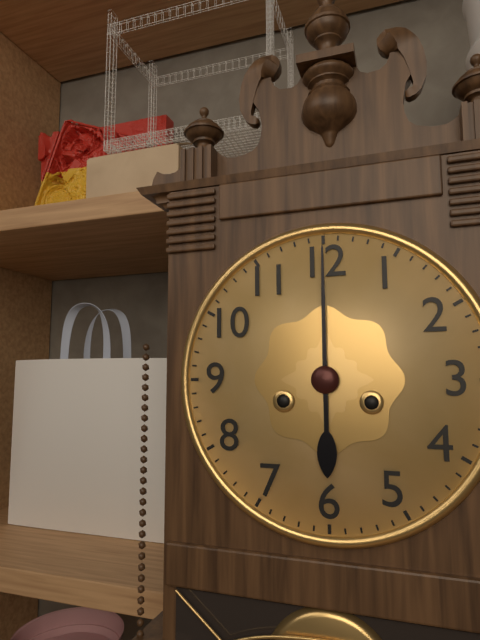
6h00
